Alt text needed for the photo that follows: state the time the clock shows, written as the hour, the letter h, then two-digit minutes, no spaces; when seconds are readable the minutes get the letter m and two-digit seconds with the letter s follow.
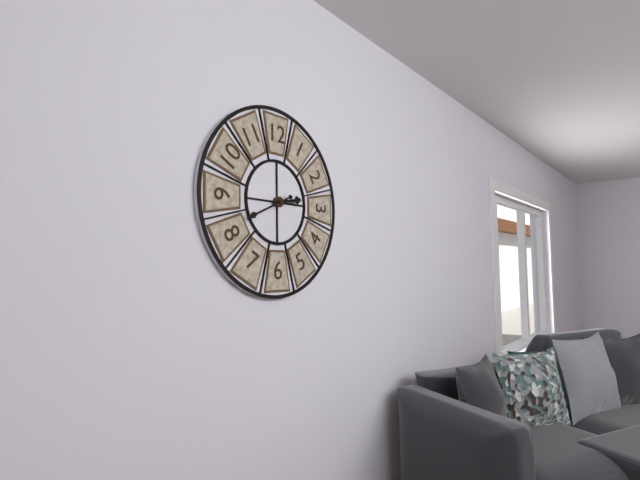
2h41
